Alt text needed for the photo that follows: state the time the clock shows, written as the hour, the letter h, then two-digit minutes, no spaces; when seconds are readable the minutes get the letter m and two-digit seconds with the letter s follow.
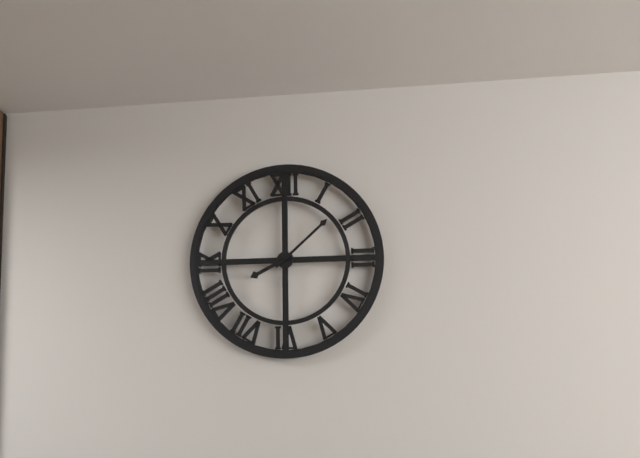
8h08
